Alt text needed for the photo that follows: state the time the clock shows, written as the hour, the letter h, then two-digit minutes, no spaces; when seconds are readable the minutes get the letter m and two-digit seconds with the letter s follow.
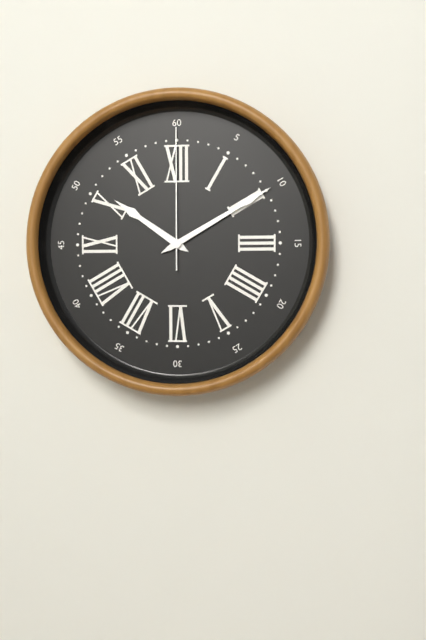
10h10m00s
